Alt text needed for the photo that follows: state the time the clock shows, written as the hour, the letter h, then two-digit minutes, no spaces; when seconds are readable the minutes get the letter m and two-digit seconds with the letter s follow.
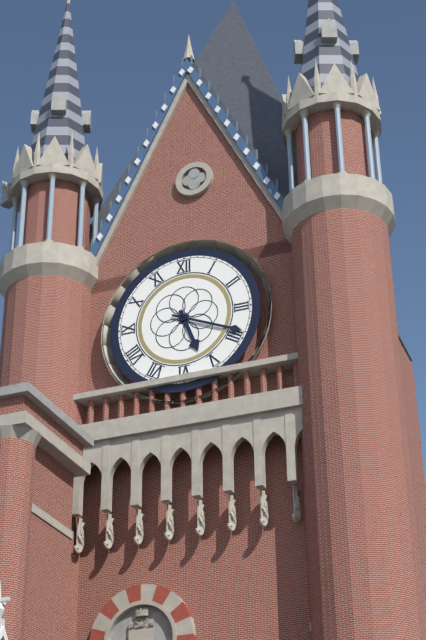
5h19
